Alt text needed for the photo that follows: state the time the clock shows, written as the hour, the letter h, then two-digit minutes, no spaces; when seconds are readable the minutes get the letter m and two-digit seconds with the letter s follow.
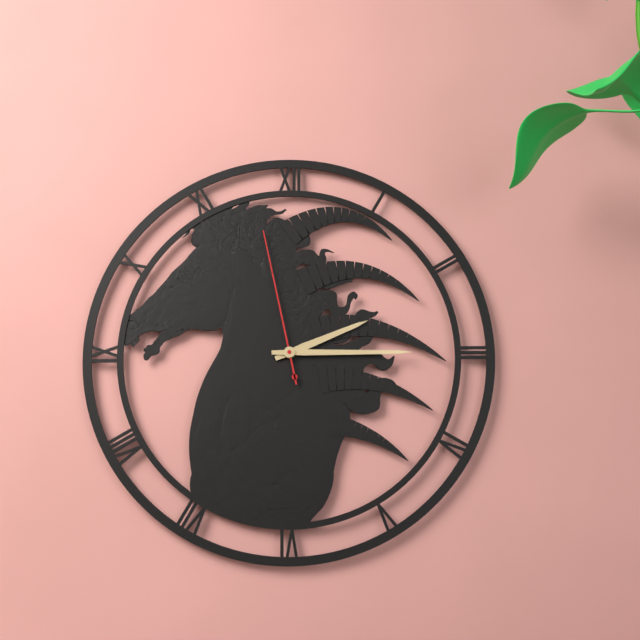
2h15m58s
